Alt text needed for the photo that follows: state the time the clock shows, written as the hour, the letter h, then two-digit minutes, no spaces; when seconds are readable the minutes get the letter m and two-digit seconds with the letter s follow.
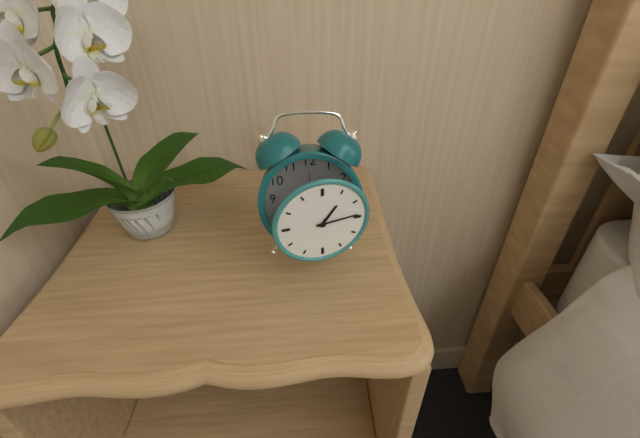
1h14
